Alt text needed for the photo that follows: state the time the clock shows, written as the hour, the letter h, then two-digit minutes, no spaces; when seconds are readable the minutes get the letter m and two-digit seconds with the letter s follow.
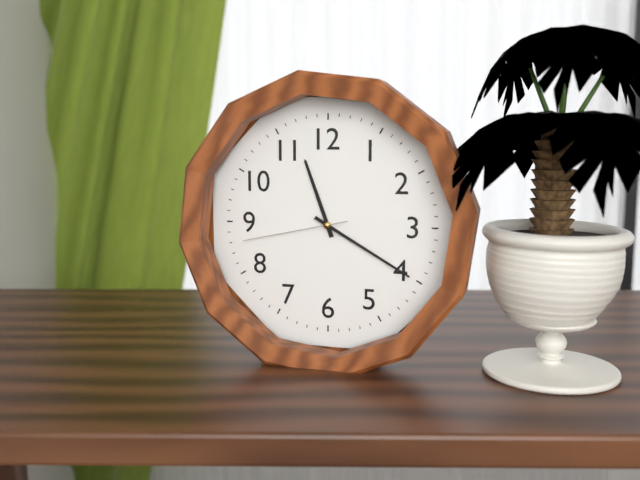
11h20m43s
